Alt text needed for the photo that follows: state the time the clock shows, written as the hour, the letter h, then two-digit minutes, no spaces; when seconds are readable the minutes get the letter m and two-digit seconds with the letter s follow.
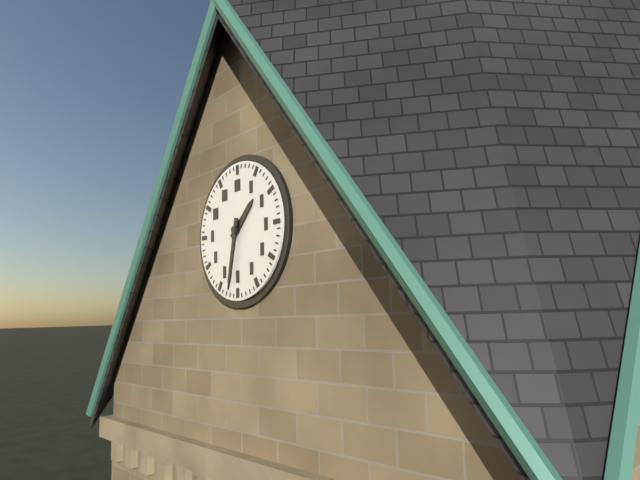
1h32
